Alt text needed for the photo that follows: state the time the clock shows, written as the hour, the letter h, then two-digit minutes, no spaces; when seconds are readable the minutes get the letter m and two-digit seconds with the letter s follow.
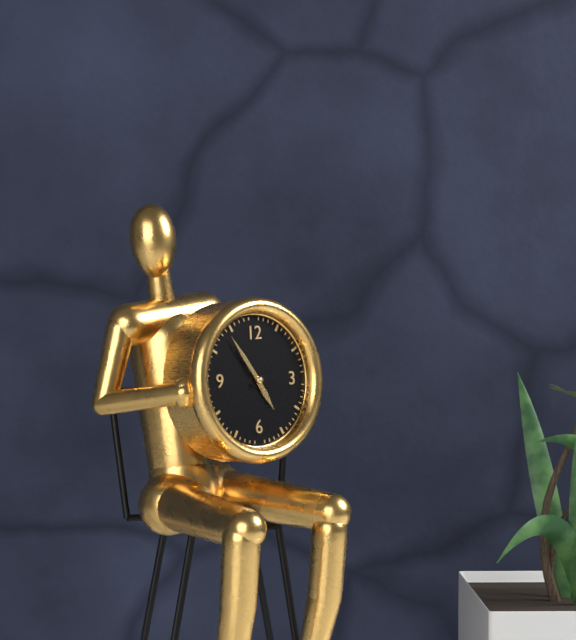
4h54
